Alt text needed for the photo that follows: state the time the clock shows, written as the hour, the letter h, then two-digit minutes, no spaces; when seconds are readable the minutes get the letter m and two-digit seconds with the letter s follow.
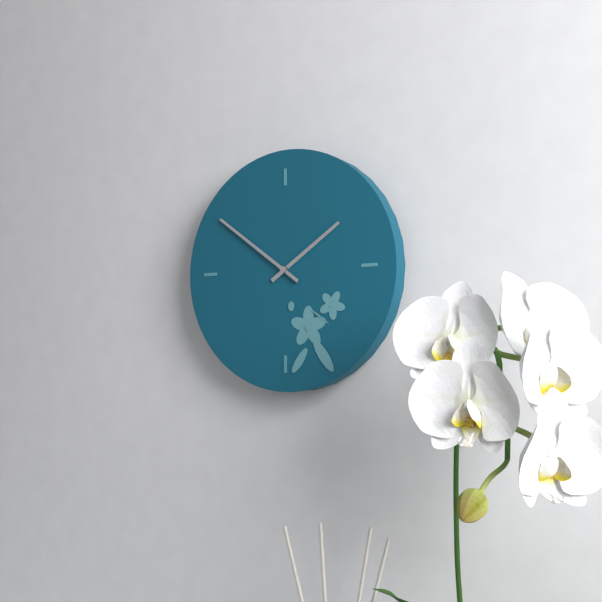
1h51
